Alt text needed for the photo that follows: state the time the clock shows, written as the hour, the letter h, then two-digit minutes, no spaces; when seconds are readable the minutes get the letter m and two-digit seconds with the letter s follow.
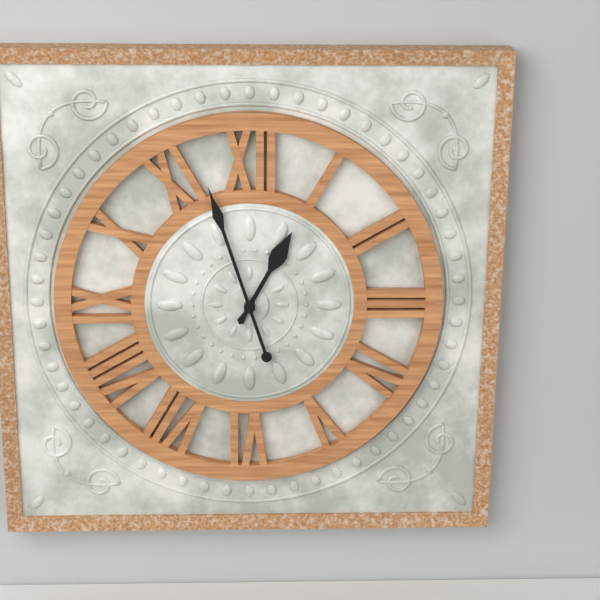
12h57
